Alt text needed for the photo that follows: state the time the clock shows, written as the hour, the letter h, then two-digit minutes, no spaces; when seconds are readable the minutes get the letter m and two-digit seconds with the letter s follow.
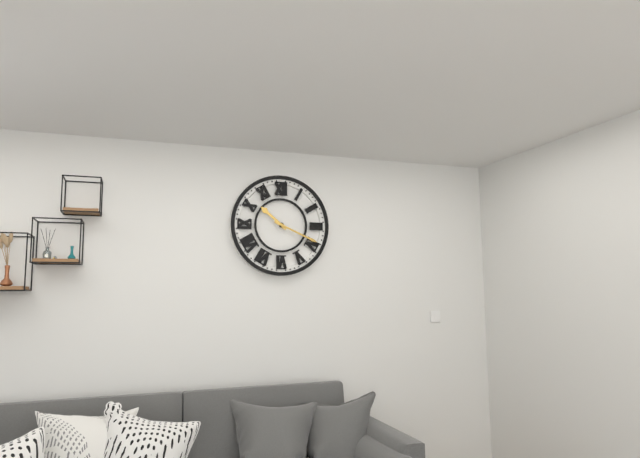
10h19
